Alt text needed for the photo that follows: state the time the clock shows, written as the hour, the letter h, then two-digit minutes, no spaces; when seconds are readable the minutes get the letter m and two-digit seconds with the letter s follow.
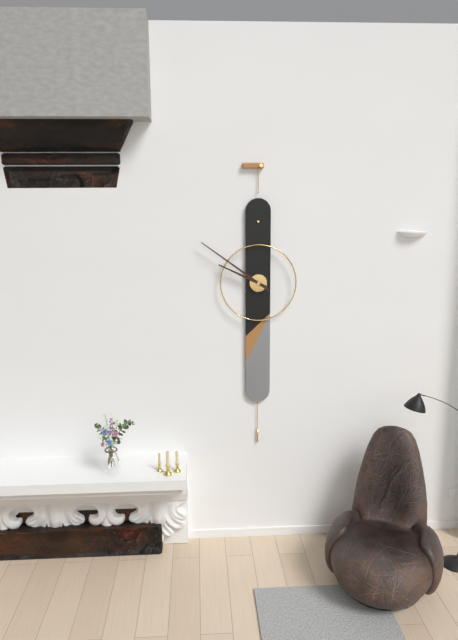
9h51
